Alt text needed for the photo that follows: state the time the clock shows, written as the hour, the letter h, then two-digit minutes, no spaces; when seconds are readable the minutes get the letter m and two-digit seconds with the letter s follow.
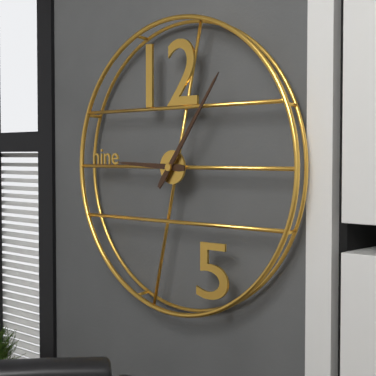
9h06
